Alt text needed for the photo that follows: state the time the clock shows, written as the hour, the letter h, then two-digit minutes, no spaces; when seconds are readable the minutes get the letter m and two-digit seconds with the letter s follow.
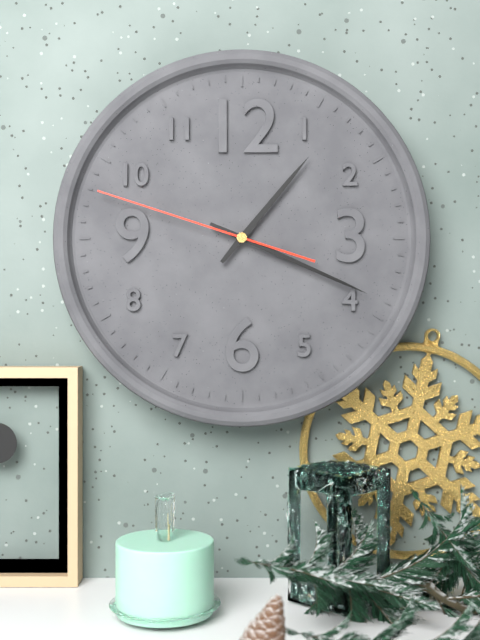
1h19m48s
